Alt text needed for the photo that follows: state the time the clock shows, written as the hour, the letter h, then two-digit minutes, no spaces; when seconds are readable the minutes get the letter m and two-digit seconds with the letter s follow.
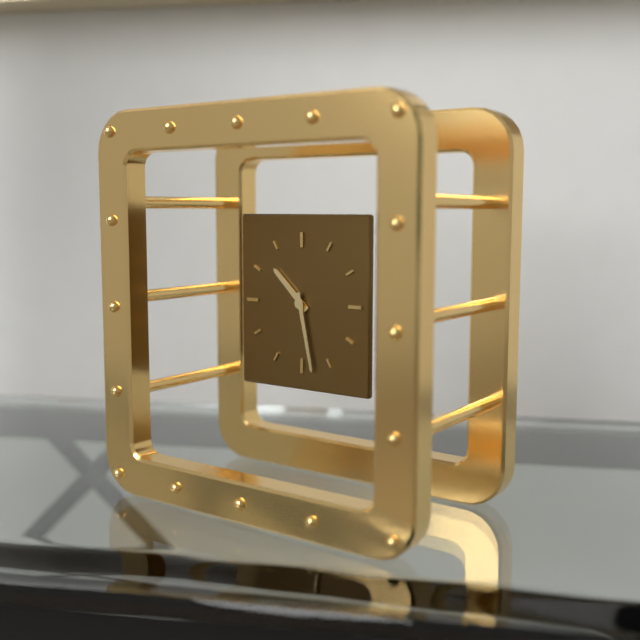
10h28
